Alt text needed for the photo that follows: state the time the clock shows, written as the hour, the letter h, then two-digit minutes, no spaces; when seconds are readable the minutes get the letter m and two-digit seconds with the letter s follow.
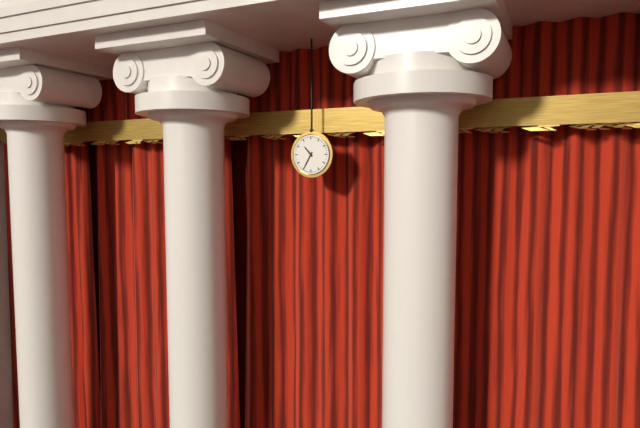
10h35
